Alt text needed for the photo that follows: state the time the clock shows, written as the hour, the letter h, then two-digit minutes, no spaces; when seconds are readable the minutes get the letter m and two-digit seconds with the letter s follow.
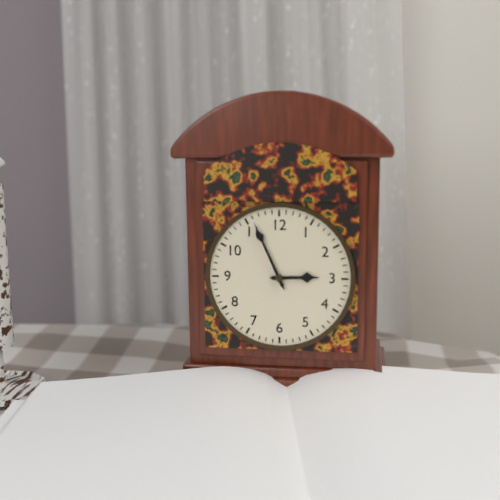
2h56
